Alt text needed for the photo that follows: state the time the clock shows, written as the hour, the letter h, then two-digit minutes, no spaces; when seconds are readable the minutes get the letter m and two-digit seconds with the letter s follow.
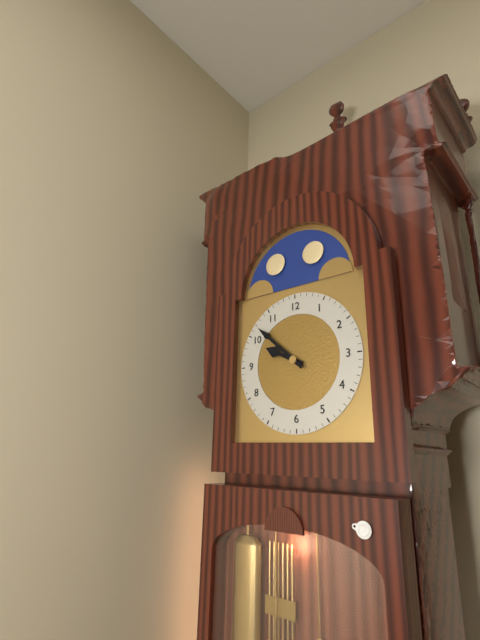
9h52
